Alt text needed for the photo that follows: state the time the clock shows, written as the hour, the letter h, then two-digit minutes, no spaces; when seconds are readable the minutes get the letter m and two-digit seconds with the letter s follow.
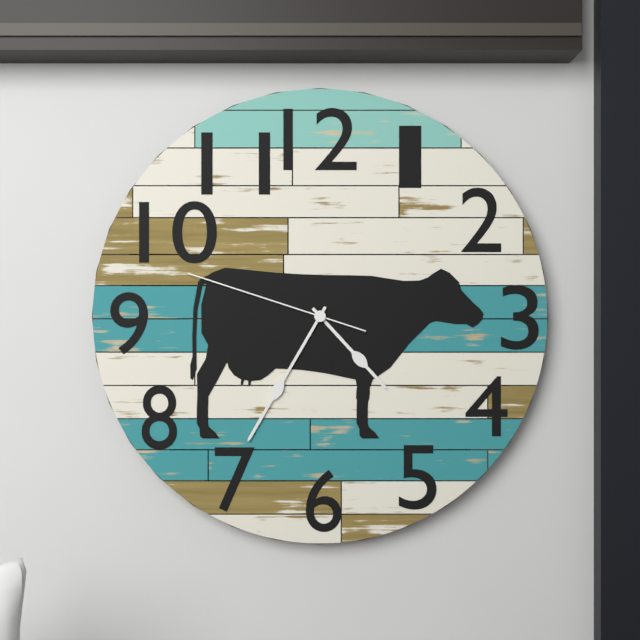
4h35m48s
